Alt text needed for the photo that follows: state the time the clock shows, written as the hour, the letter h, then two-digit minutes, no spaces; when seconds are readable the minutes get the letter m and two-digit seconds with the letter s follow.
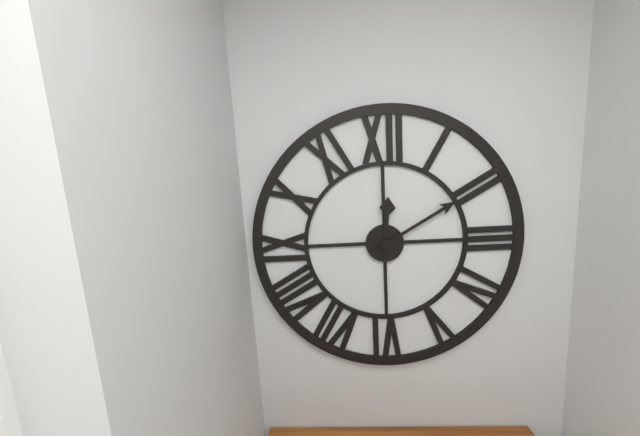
12h10
